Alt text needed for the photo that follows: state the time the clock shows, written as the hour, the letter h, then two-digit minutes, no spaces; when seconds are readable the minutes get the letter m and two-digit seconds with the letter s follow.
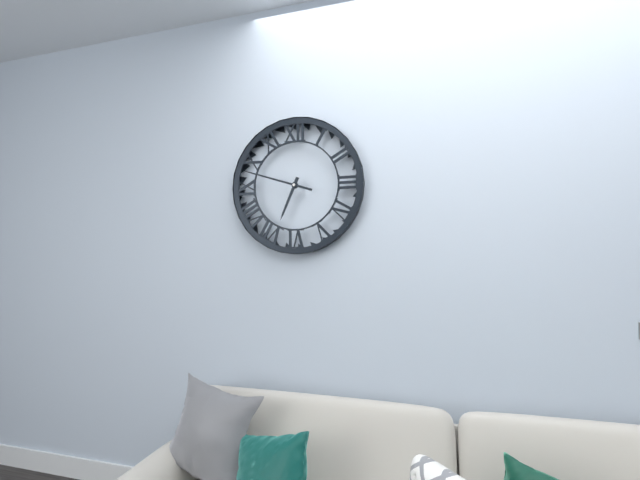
6h48
